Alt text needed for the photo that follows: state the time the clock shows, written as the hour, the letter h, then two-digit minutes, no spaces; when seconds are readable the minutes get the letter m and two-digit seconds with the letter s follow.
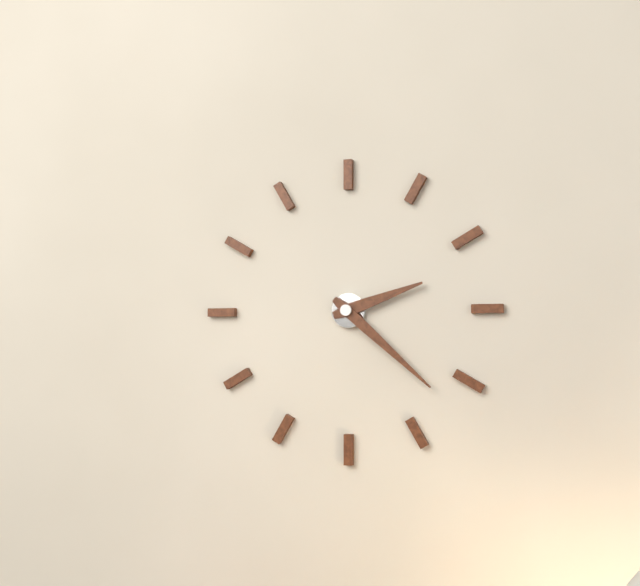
2h22
